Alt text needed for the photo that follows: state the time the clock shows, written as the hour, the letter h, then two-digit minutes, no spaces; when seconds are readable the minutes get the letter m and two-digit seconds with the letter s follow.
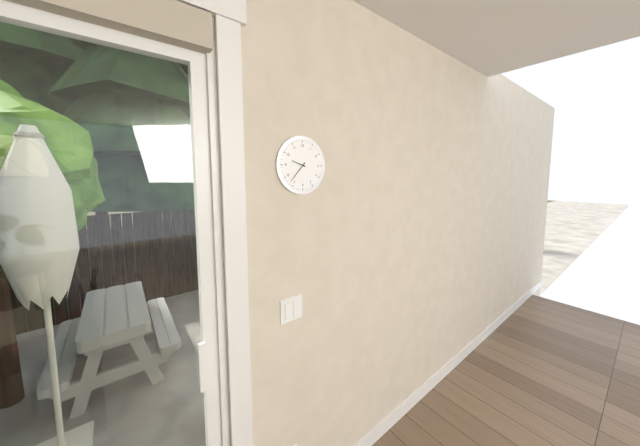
9h37
